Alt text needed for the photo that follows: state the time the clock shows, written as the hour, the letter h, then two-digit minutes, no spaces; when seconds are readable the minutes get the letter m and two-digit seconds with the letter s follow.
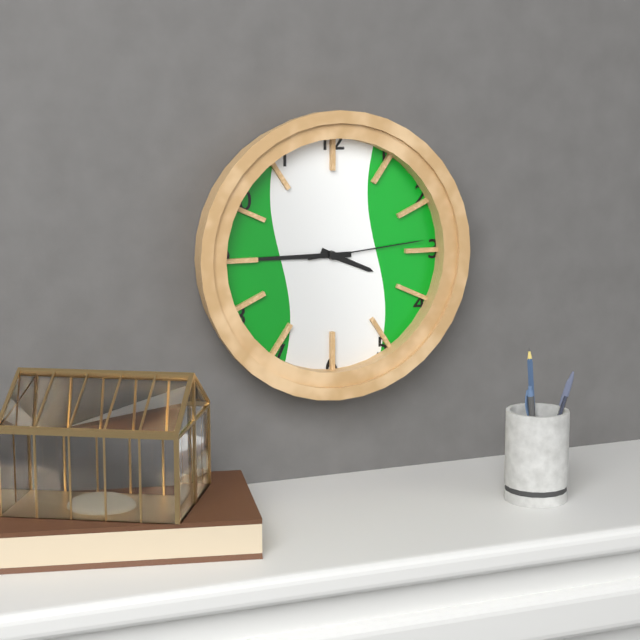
3h45m14s
